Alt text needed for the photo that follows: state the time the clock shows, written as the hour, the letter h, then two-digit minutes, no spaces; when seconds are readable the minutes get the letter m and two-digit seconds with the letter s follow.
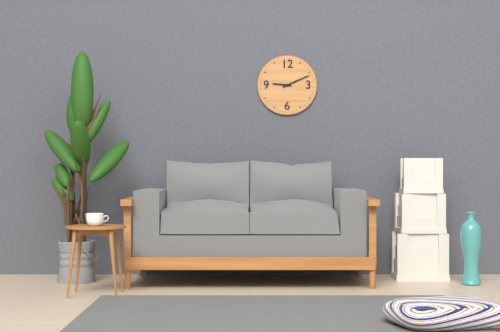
9h11
